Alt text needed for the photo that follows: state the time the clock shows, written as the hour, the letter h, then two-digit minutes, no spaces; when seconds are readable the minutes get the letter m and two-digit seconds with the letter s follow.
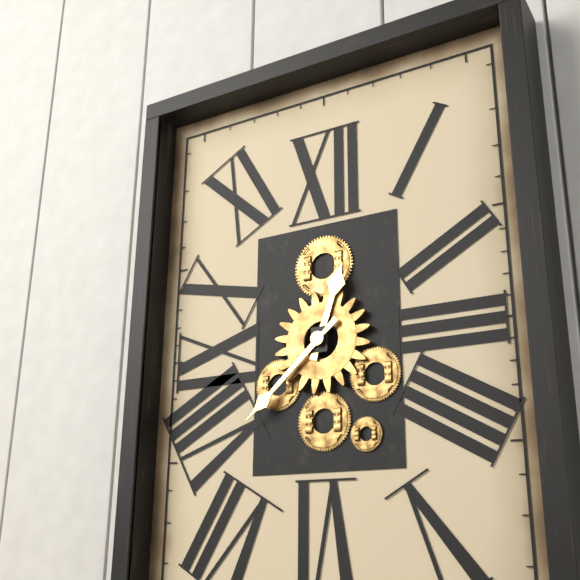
12h38
